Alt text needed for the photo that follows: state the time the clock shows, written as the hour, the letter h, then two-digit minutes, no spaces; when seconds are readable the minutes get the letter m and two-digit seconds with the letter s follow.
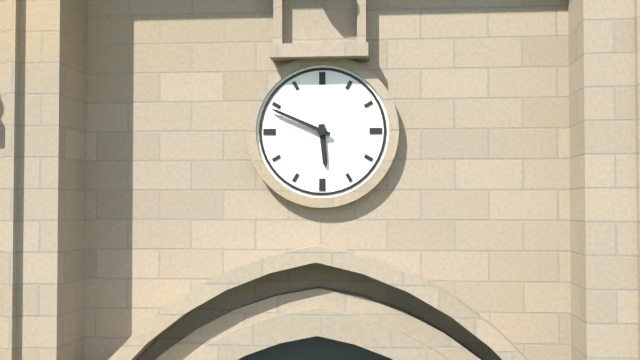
5h49
